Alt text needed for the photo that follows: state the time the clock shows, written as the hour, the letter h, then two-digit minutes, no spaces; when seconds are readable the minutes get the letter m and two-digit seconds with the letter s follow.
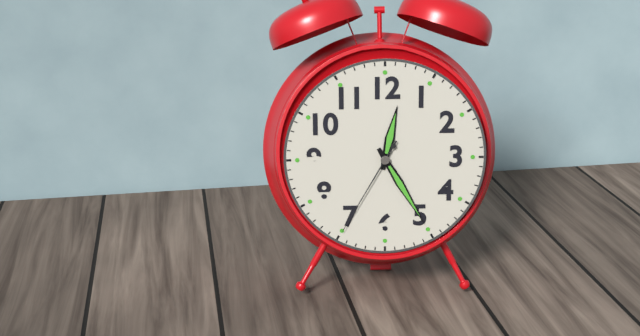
12h25m35s
